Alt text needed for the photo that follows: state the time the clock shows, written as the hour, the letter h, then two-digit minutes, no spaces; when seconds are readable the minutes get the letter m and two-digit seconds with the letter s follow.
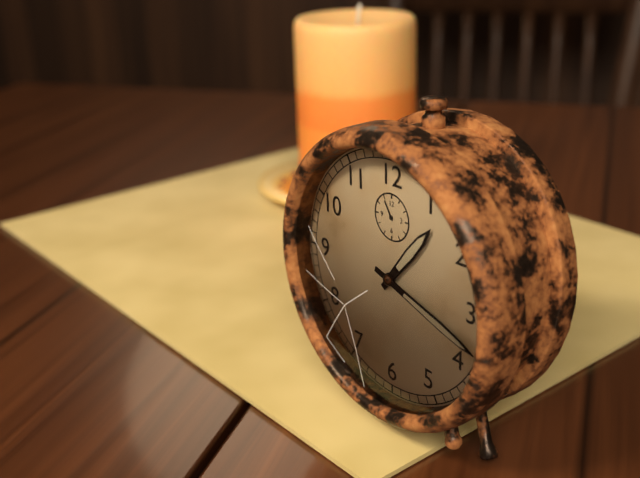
1h18
